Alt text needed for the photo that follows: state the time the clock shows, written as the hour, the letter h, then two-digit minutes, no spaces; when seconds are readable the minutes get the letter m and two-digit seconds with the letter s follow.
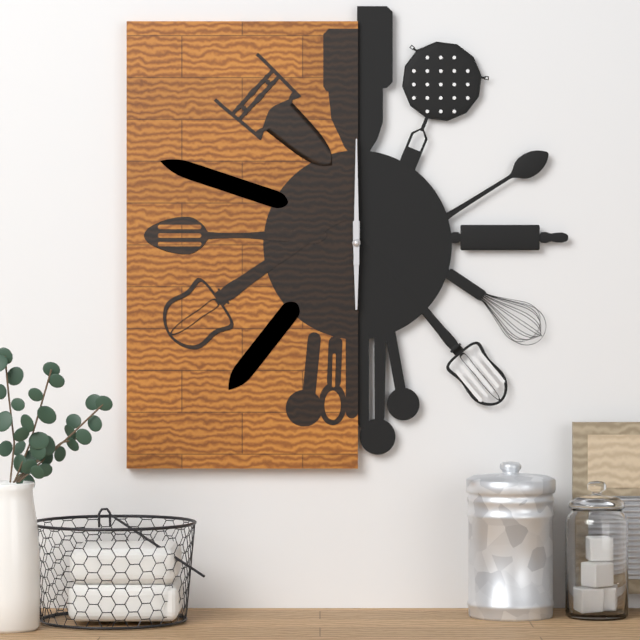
6h00
